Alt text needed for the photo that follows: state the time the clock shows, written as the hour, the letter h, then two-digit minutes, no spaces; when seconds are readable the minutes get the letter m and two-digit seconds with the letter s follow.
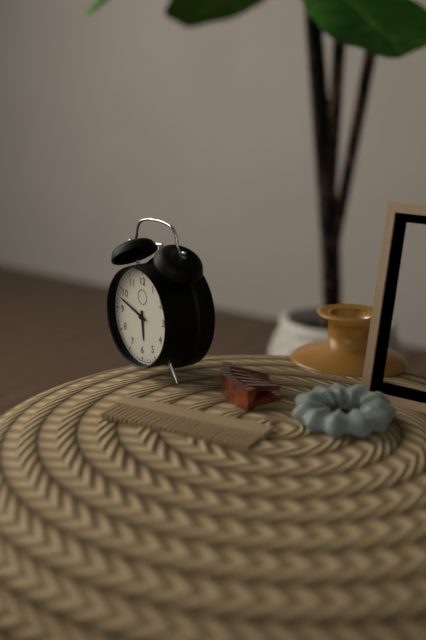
5h48
